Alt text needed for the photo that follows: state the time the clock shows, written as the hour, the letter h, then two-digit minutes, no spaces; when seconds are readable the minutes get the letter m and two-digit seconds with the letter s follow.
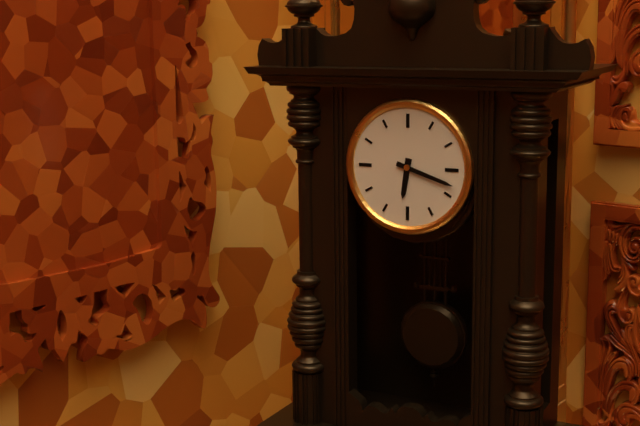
6h18
